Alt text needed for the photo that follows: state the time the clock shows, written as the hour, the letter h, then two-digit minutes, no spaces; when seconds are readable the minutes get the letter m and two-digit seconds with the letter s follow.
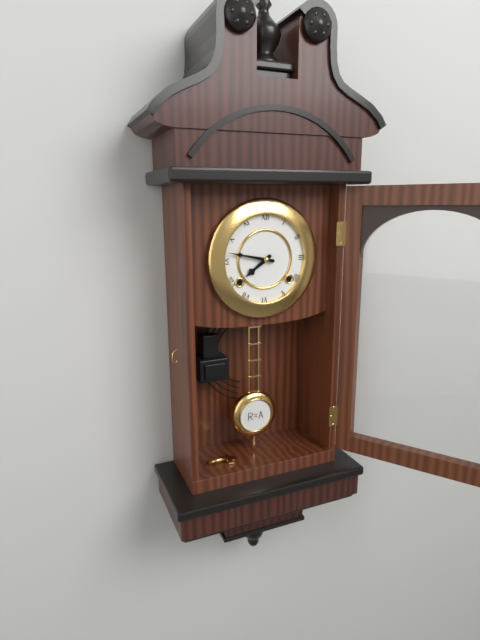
7h47
